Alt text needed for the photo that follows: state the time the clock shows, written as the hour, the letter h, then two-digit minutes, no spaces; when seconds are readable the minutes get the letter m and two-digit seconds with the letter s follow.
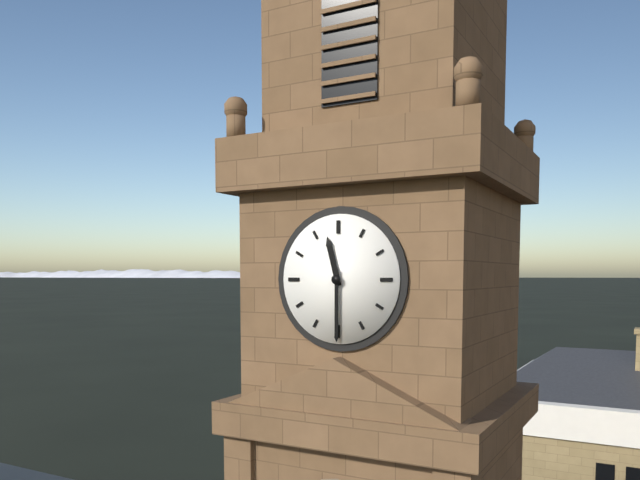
11h30
